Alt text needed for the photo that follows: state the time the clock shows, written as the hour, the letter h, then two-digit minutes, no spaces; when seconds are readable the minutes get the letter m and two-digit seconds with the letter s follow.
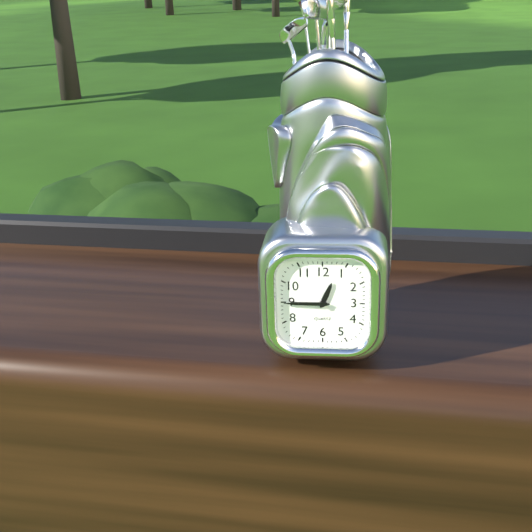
12h45
